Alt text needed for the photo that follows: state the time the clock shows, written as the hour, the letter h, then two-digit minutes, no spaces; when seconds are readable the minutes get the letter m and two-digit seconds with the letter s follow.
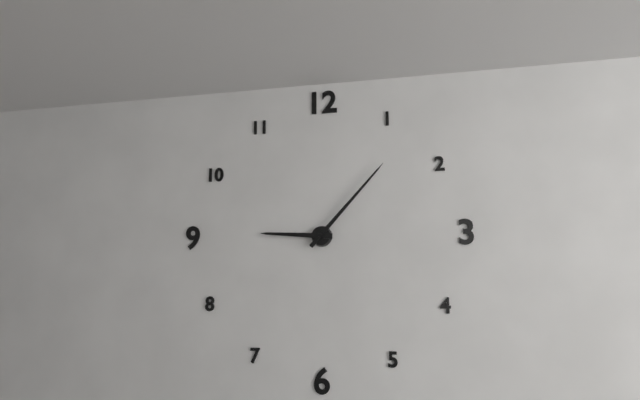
9h07
